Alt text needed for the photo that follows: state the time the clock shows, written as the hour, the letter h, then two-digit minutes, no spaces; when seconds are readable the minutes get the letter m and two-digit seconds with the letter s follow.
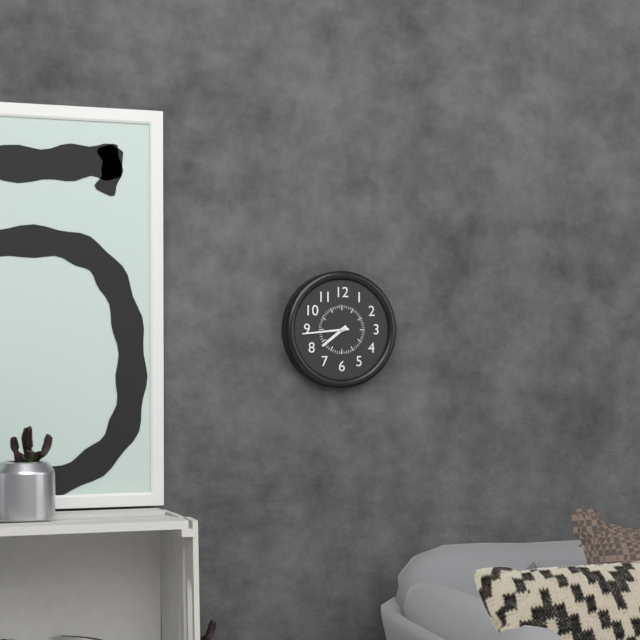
7h44
